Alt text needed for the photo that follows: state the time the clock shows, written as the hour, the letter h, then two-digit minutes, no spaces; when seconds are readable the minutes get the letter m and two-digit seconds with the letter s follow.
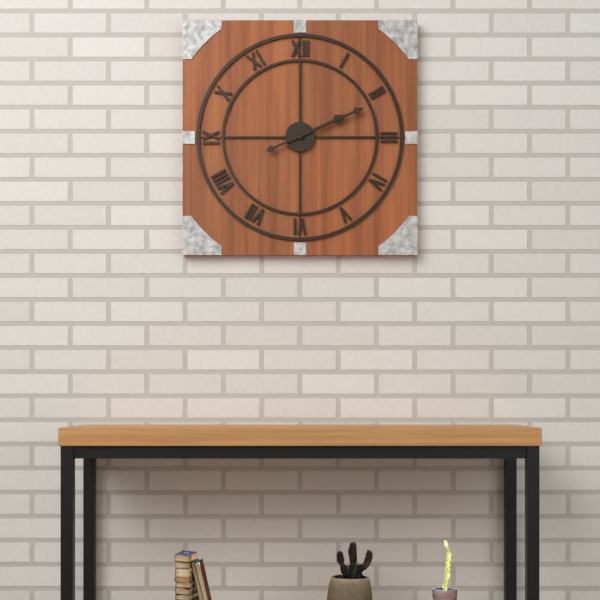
2h11
